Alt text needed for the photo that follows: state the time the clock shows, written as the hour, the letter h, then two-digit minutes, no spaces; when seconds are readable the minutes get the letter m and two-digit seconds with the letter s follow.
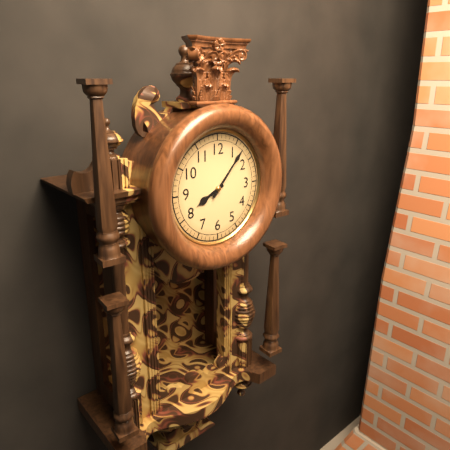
8h07
